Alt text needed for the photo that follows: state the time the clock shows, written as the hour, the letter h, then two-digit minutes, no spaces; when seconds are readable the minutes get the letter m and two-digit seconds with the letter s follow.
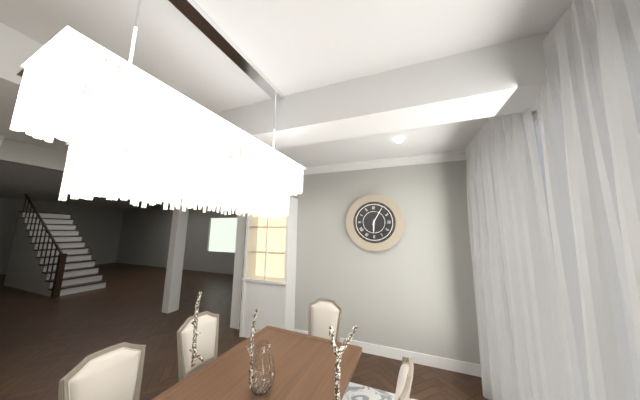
6h05
